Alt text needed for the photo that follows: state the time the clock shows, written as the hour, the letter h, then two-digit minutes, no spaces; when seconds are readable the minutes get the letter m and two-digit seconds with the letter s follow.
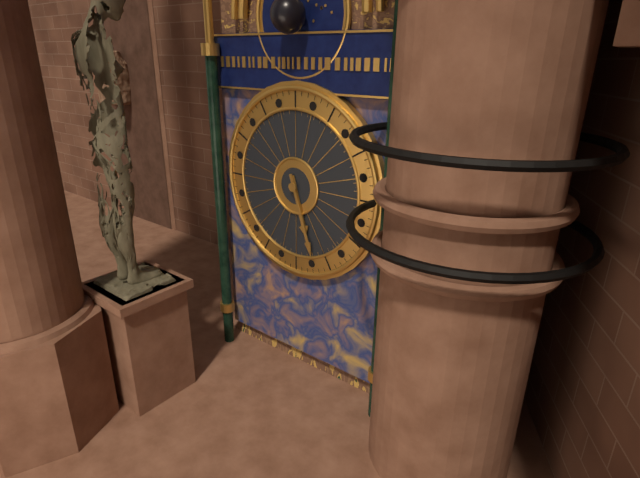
5h27
